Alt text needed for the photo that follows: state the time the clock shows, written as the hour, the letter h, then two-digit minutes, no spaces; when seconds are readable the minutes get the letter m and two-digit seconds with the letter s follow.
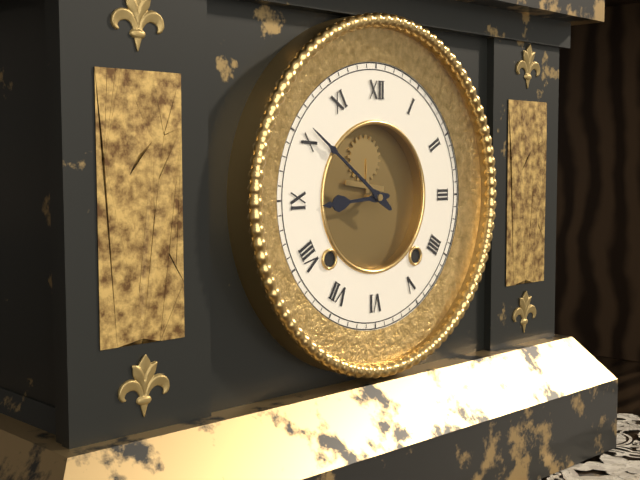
8h51
